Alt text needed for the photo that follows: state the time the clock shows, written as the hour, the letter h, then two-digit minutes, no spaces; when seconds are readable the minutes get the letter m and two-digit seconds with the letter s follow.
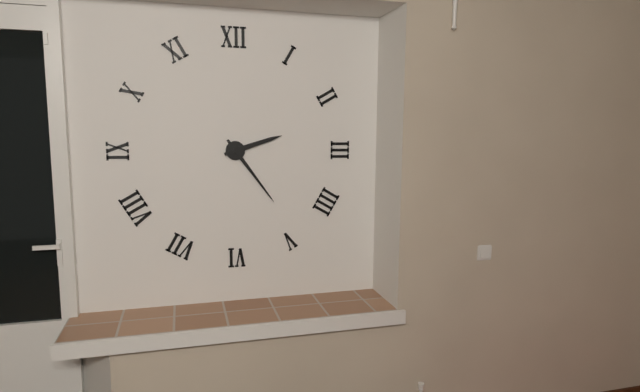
2h24
